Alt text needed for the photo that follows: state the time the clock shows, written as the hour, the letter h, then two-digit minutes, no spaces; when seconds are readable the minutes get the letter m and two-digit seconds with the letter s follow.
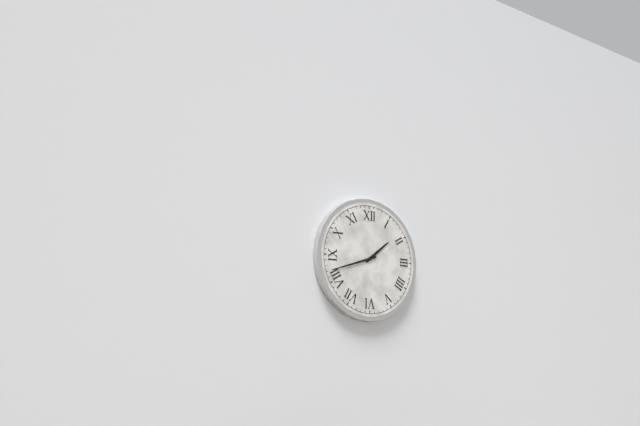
1h42
